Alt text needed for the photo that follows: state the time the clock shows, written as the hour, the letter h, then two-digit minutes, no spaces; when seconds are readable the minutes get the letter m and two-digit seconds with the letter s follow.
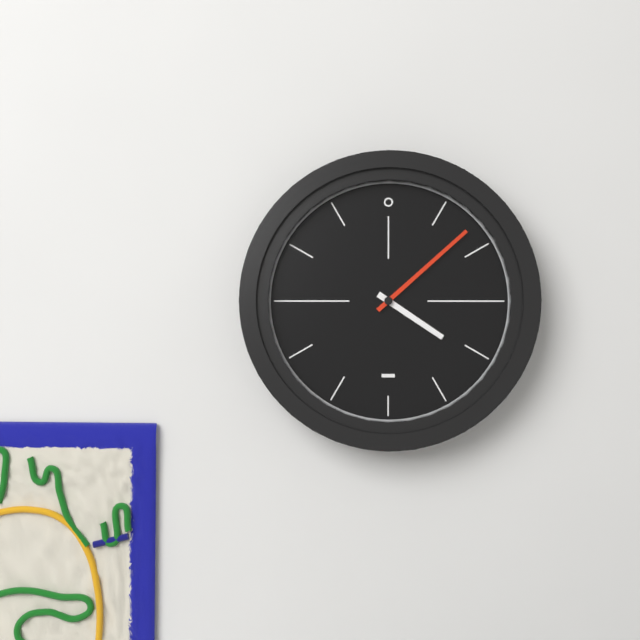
4h08
